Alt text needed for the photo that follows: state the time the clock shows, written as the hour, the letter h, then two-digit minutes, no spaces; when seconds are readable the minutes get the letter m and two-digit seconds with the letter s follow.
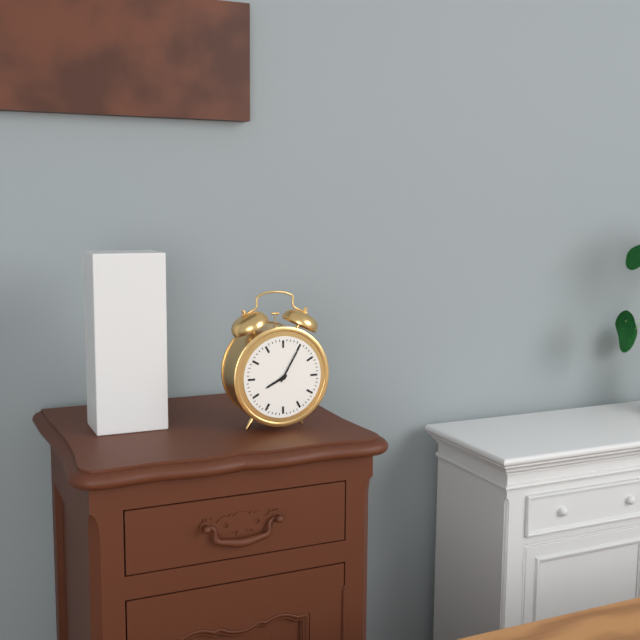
8h05
